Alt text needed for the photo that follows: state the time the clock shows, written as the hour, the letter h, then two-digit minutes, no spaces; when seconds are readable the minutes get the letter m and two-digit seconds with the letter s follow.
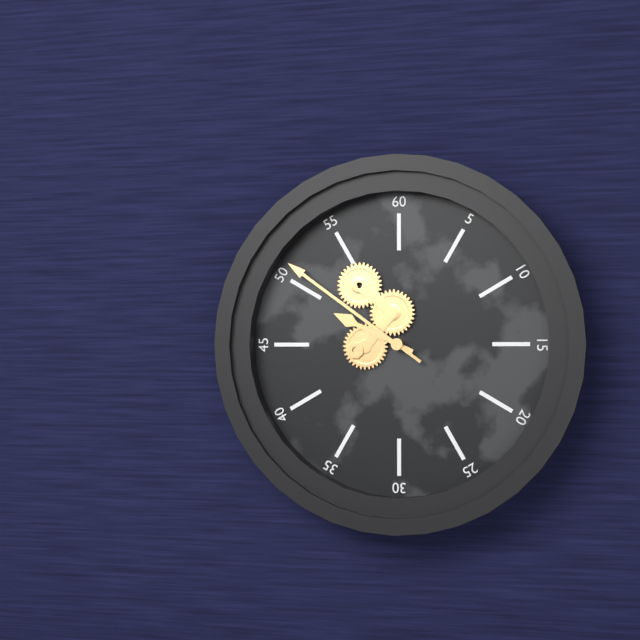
9h51
